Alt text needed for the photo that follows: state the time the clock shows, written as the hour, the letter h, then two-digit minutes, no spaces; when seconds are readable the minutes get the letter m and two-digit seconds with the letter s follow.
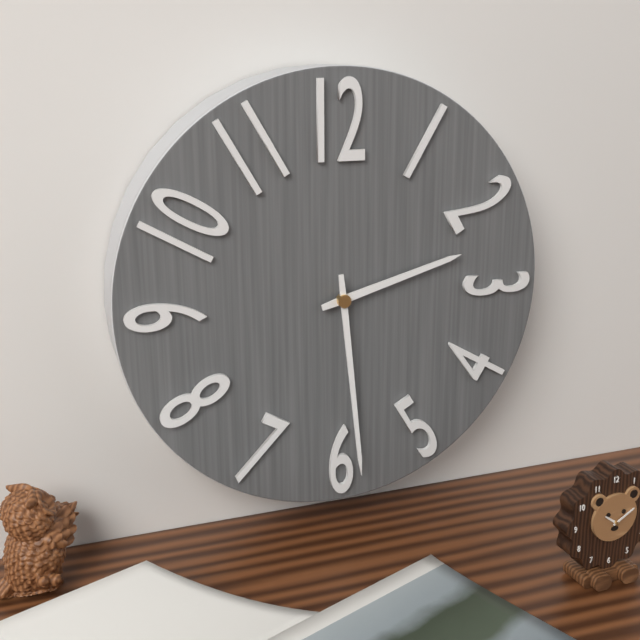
2h29
